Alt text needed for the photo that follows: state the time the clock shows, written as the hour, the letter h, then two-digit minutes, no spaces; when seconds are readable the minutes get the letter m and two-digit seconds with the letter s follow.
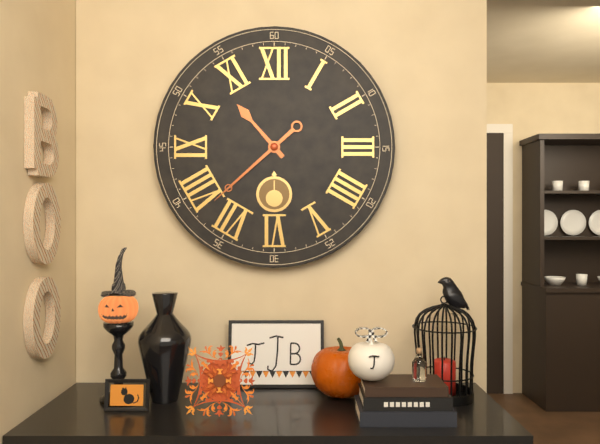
10h38
